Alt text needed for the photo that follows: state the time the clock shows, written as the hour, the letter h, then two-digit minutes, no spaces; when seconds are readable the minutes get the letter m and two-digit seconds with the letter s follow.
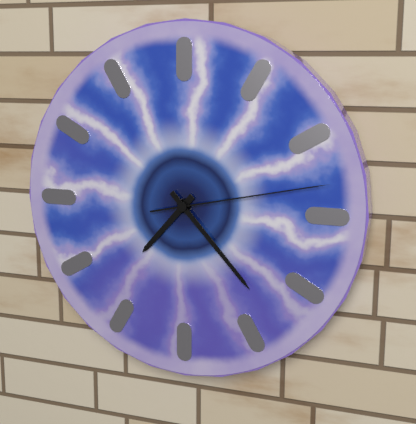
7h23m13s
